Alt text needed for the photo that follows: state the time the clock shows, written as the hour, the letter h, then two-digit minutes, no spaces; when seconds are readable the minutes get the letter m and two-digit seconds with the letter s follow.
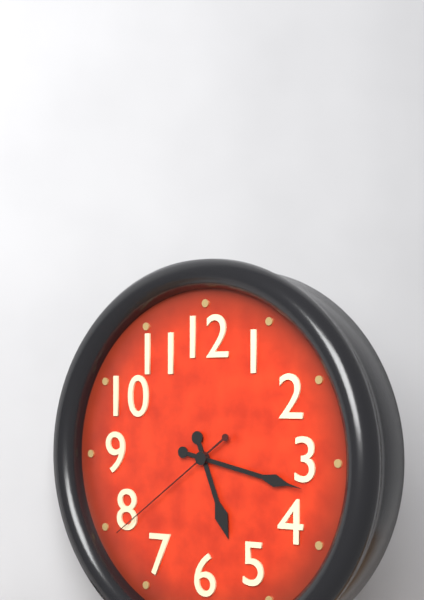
5h17m39s
